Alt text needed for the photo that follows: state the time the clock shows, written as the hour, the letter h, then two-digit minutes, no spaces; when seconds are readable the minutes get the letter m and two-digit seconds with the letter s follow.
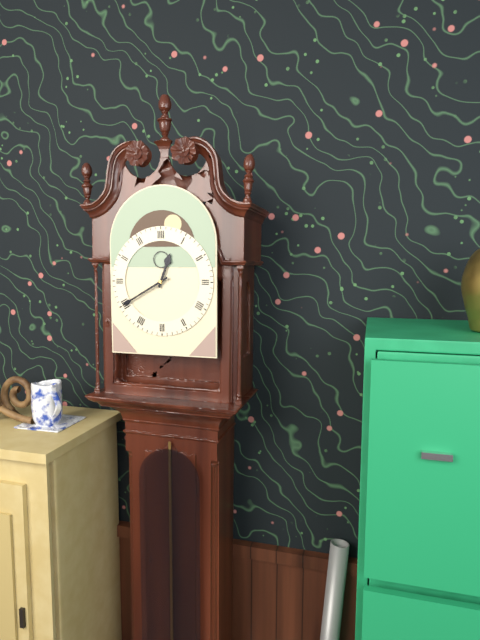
12h40
